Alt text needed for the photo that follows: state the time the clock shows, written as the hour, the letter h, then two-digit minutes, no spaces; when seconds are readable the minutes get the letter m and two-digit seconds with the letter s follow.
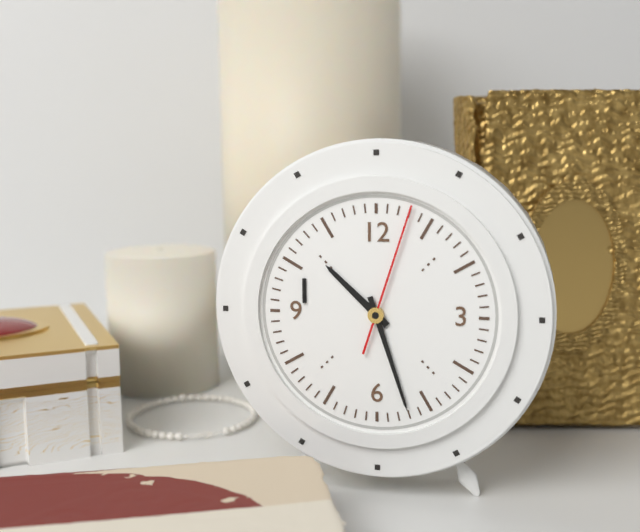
10h27m03s
